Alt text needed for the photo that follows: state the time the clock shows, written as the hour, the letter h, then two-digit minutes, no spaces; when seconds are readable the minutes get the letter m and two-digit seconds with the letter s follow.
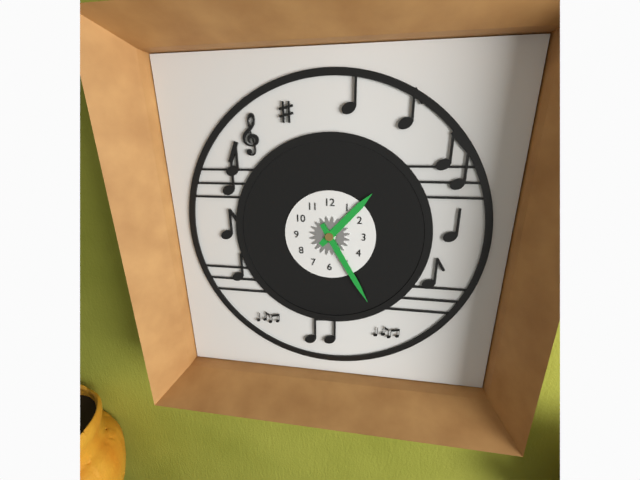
1h25
